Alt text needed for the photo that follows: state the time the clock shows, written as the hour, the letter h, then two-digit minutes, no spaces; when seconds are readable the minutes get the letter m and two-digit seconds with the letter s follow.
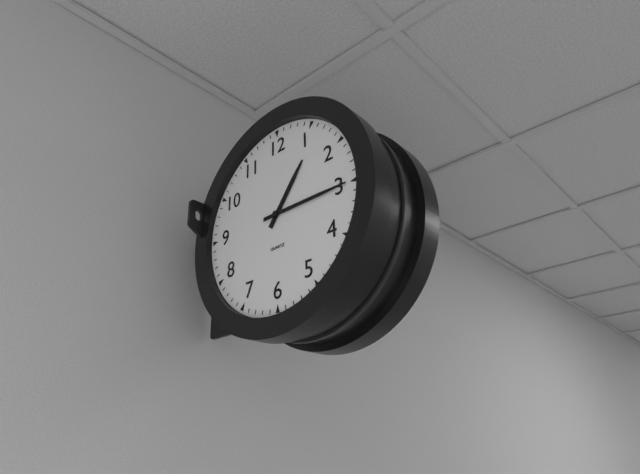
1h15
